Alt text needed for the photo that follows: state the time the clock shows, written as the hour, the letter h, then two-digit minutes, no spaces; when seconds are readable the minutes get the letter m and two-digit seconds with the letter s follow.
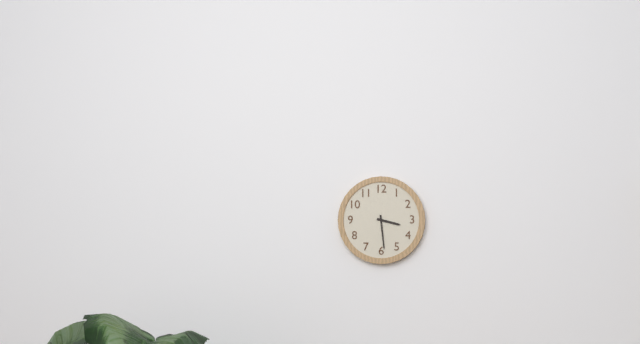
3h29
